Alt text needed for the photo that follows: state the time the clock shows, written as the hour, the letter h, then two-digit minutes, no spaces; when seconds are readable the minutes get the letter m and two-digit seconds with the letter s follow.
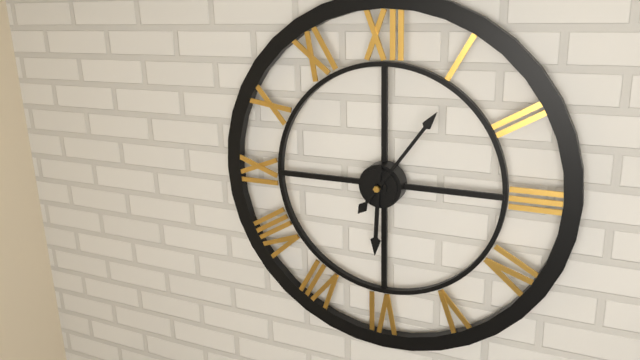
6h06
